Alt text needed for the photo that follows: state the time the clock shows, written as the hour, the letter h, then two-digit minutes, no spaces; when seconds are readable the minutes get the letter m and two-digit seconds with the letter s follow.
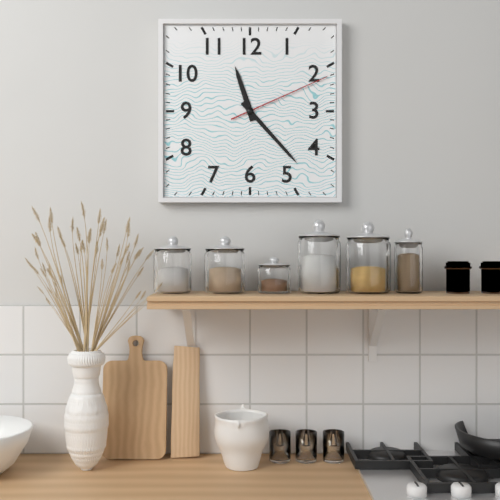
11h23m11s
